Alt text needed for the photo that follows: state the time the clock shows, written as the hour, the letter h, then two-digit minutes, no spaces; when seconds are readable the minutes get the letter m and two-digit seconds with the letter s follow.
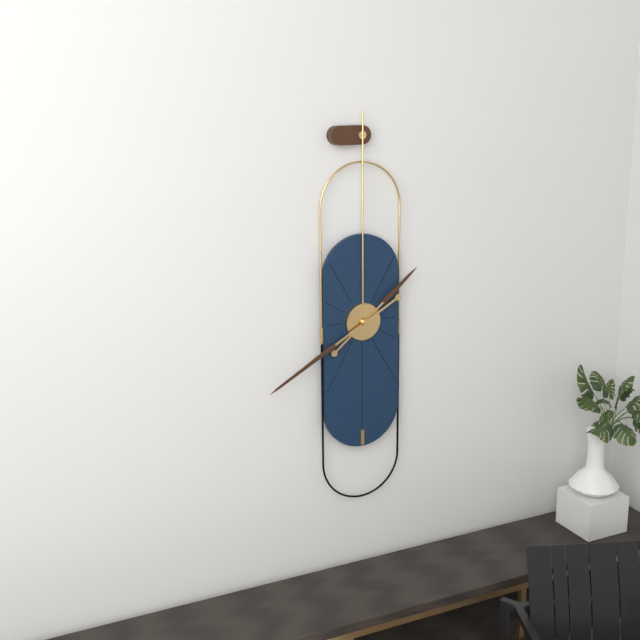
1h40
